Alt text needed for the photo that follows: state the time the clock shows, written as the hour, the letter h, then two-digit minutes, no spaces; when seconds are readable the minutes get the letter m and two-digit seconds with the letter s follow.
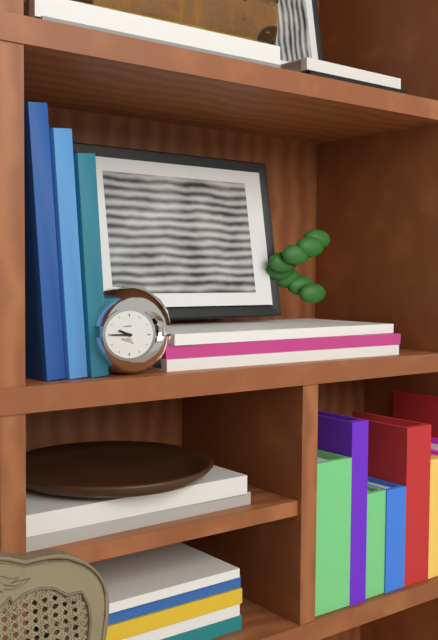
9h45
